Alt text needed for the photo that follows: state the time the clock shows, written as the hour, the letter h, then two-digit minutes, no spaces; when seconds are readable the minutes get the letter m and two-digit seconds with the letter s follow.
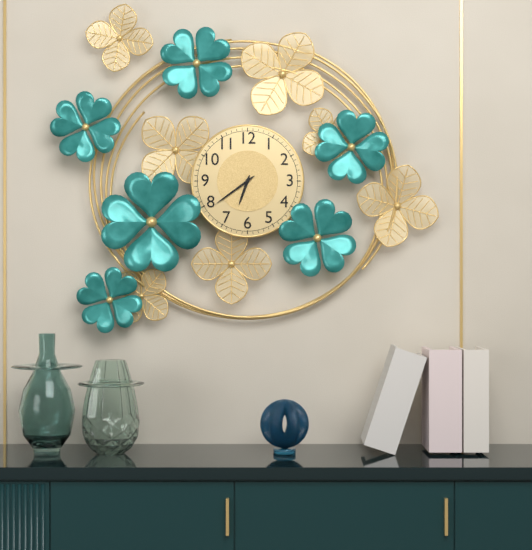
6h39
